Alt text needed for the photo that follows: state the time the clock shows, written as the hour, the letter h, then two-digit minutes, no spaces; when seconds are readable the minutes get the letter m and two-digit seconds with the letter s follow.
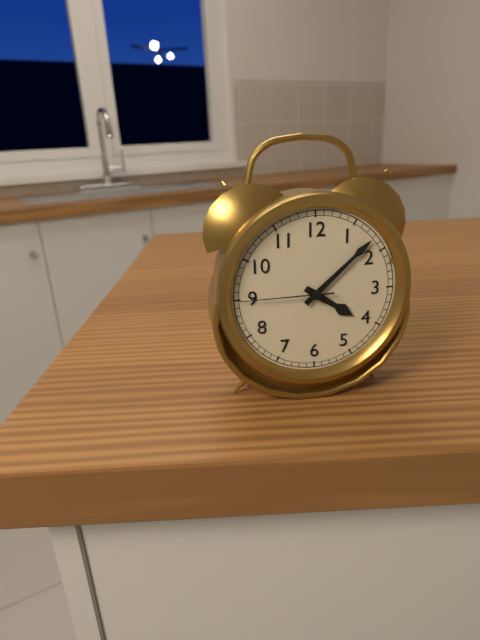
4h08m45s
